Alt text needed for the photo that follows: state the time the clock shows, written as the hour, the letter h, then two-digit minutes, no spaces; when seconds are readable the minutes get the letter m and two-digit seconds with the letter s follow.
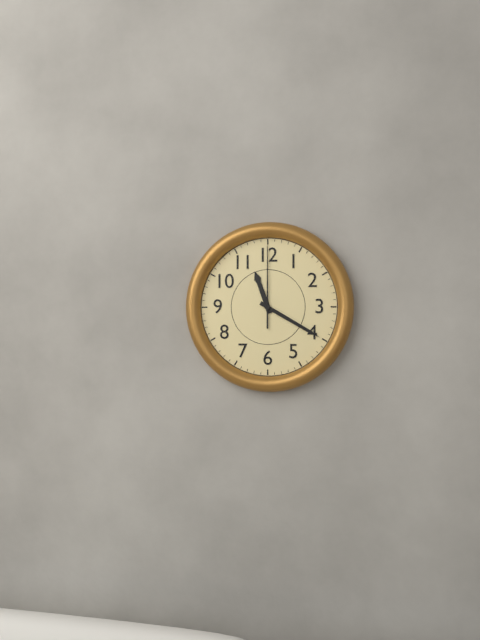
11h20m00s
